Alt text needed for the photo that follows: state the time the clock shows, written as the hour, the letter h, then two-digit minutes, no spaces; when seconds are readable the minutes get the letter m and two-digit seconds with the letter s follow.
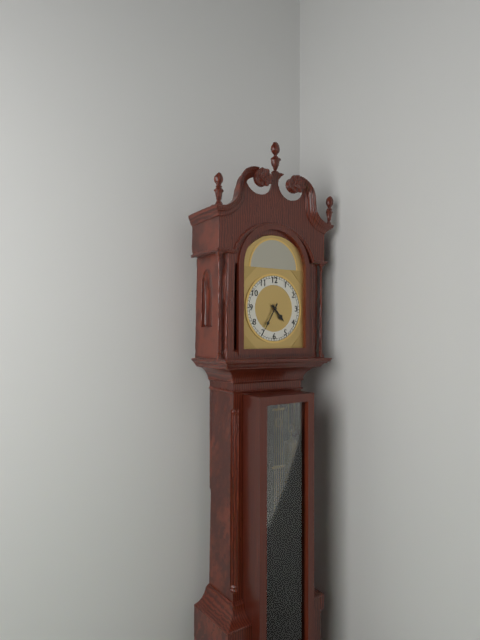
4h35
